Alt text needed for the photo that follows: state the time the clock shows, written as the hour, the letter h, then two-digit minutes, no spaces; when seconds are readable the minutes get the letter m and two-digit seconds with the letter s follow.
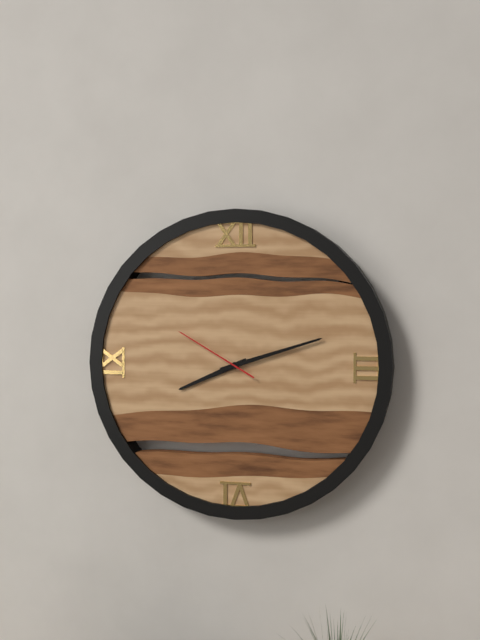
8h12m50s
